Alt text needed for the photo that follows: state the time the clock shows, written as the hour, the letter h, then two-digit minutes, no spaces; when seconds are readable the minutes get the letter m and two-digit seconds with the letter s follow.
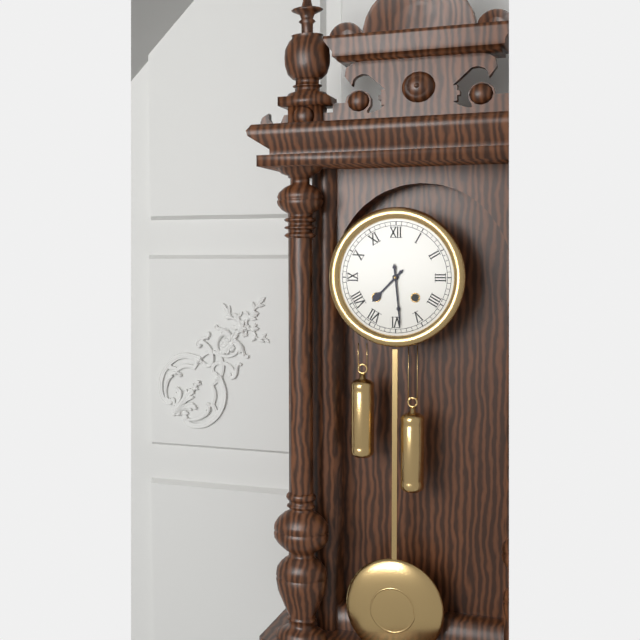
7h29
